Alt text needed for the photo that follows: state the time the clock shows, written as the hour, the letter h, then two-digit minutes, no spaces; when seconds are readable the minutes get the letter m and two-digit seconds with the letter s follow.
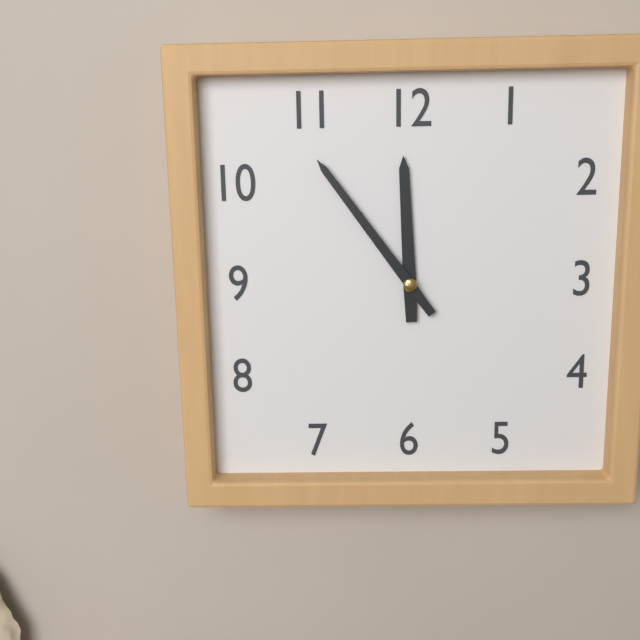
11h54
